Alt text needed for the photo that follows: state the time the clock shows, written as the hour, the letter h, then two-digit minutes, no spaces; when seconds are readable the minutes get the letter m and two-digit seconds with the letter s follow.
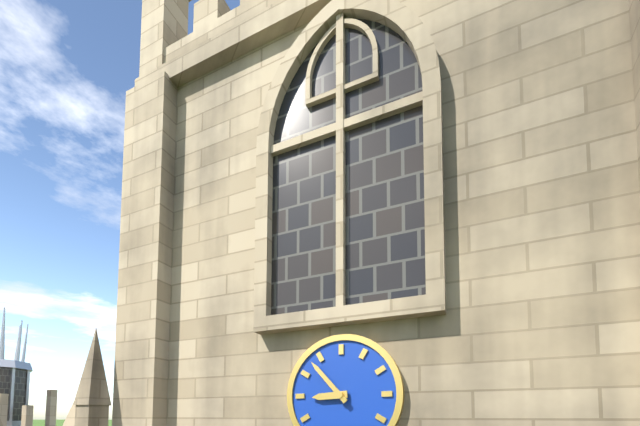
8h53
